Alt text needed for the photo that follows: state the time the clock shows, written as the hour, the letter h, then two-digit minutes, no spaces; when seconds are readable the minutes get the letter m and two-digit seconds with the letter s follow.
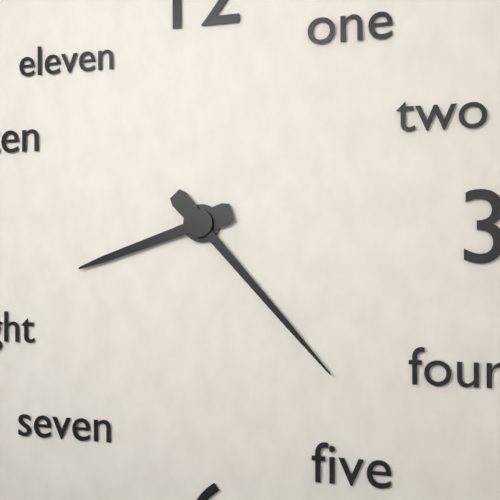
8h23
